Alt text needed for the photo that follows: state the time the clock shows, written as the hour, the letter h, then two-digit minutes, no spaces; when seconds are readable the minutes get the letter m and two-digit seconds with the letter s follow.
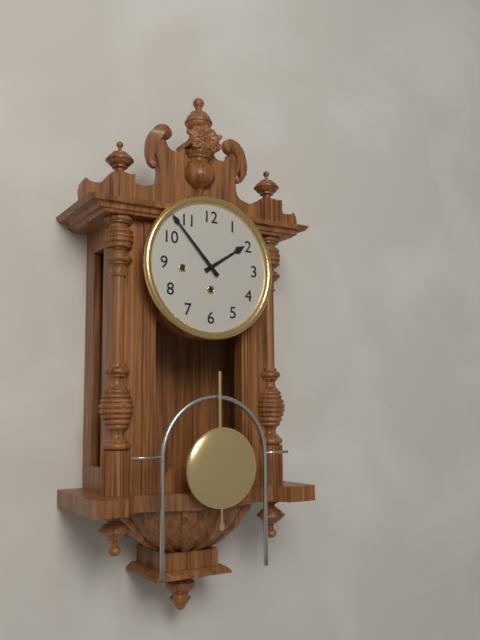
1h53
